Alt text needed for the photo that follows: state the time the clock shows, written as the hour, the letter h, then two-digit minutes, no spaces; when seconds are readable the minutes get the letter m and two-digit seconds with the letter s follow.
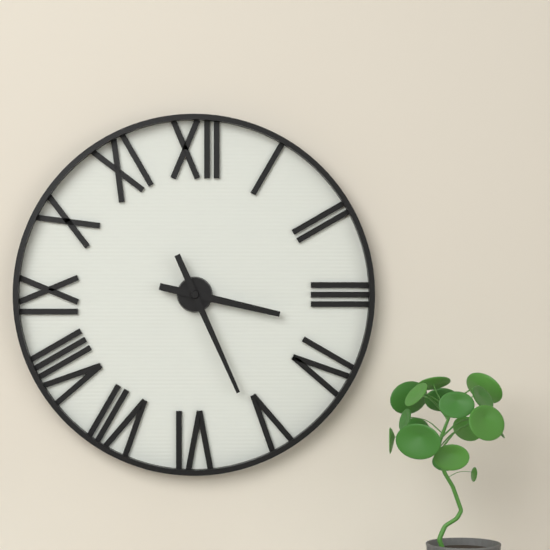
3h26
